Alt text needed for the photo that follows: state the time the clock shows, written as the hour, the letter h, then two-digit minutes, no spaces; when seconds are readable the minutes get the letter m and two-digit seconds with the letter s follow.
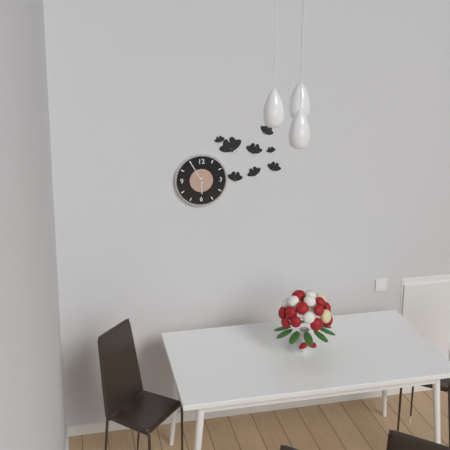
5h55
